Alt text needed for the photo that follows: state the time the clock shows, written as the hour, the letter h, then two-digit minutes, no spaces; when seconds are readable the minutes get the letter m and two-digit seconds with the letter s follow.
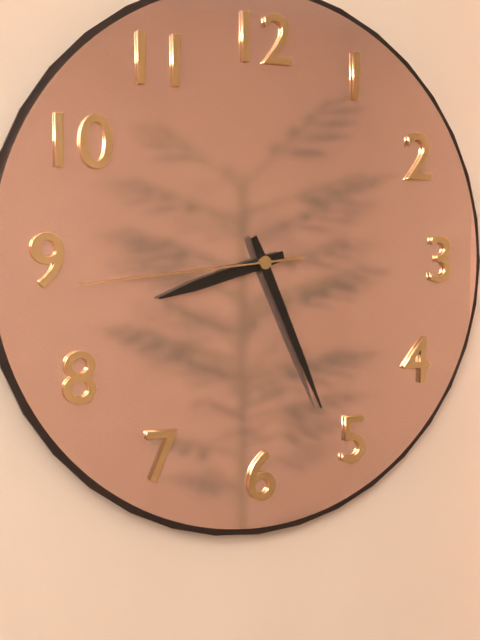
8h26m44s
